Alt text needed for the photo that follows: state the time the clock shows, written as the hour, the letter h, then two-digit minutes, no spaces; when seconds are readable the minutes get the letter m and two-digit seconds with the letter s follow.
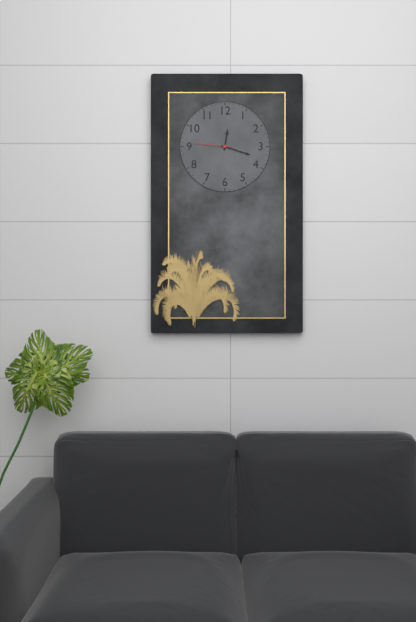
12h18
